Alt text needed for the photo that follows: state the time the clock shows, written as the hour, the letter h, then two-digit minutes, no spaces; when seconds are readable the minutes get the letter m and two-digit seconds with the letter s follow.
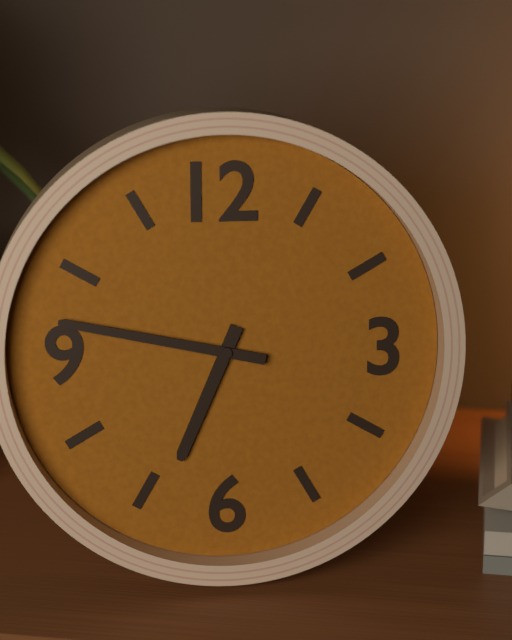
6h47
